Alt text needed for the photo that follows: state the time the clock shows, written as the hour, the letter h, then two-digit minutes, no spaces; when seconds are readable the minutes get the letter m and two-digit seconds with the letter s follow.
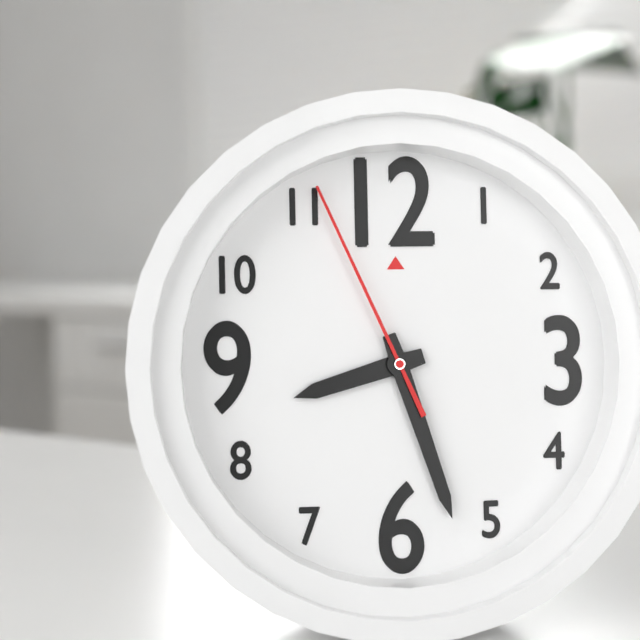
8h27m56s
